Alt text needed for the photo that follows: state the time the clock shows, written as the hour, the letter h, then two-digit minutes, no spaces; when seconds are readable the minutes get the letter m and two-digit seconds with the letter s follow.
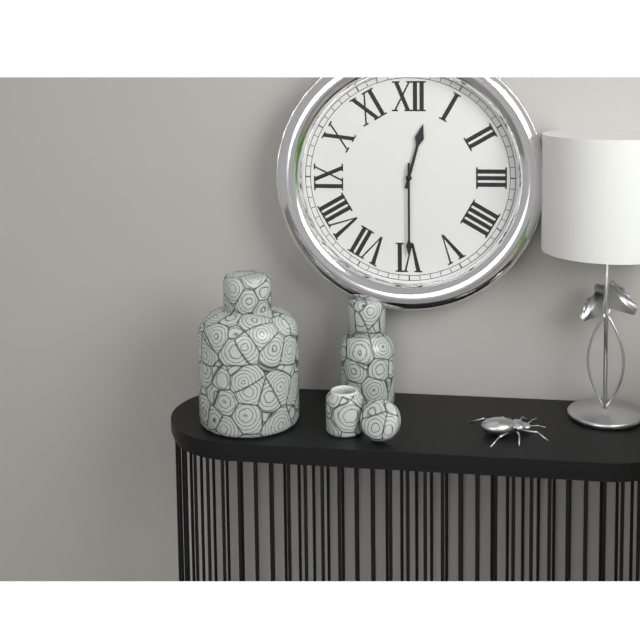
12h30
